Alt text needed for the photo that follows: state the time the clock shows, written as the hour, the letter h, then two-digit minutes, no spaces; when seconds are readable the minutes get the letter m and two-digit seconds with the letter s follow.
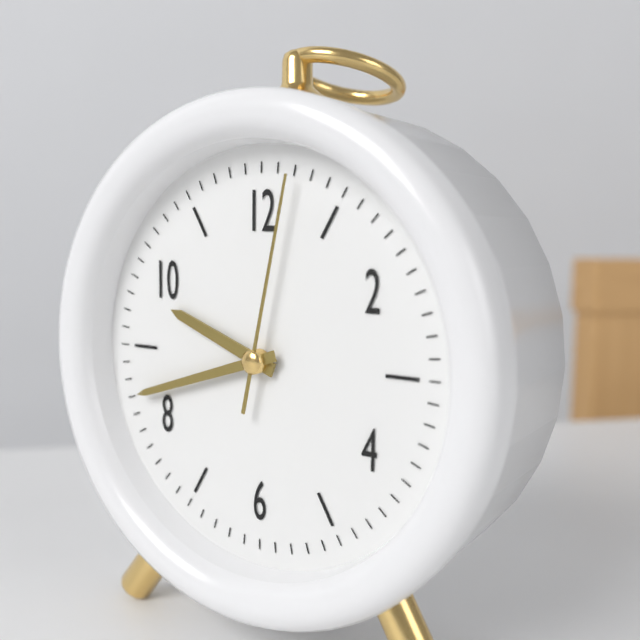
9h42m02s
